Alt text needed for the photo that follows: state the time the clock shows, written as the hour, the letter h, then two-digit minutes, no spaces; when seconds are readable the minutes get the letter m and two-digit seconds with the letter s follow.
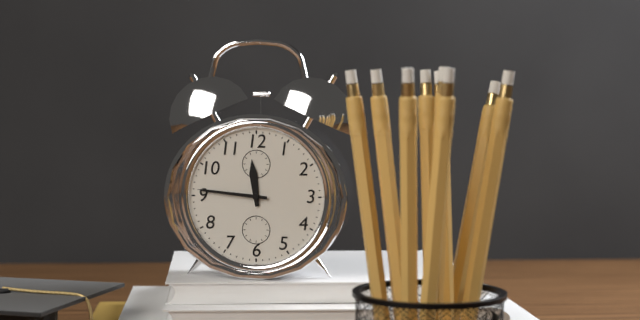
11h46
